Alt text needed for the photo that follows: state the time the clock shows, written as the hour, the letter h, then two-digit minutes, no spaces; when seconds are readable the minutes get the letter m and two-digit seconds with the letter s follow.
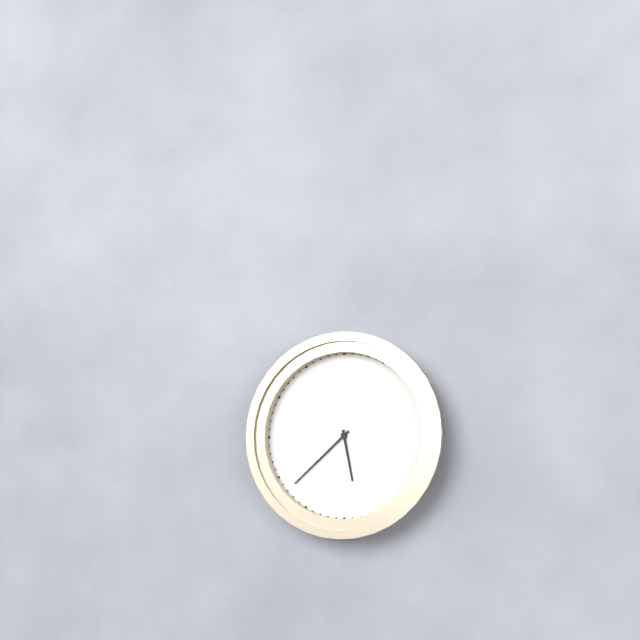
5h38
